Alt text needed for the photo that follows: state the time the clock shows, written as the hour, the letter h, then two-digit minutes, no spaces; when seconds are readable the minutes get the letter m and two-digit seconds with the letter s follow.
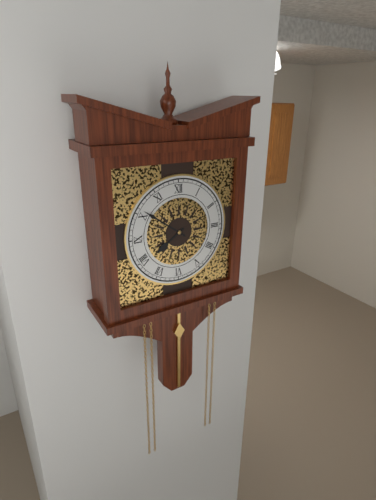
7h51
